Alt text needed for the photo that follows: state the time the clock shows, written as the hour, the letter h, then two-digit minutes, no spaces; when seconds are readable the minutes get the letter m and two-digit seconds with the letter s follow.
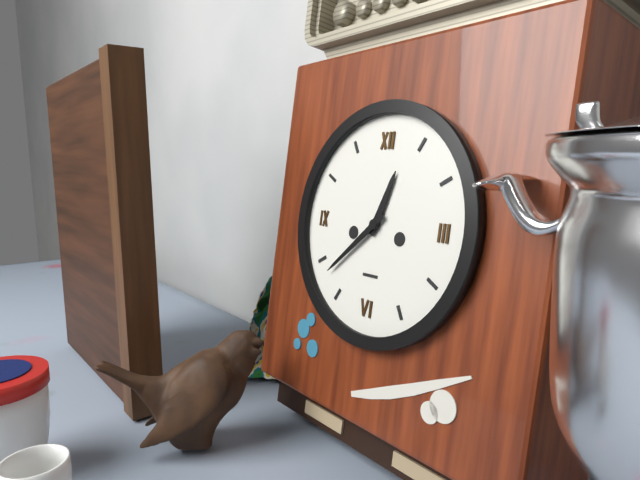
12h38
